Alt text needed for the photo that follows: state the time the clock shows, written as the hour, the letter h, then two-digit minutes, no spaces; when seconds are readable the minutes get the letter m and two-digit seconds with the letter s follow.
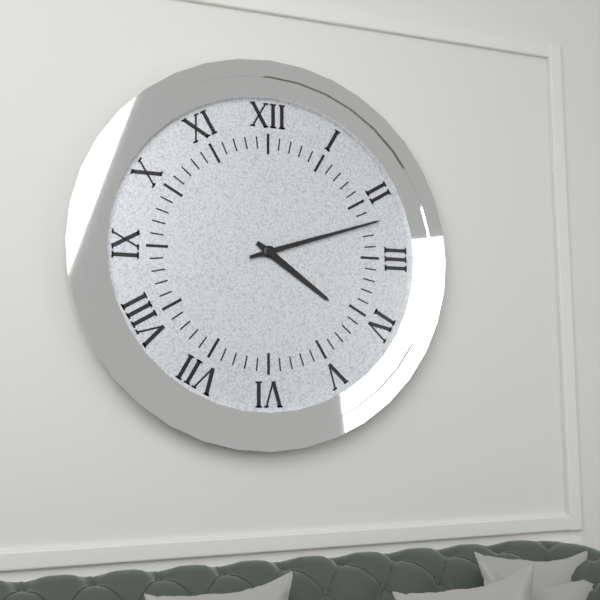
4h12
